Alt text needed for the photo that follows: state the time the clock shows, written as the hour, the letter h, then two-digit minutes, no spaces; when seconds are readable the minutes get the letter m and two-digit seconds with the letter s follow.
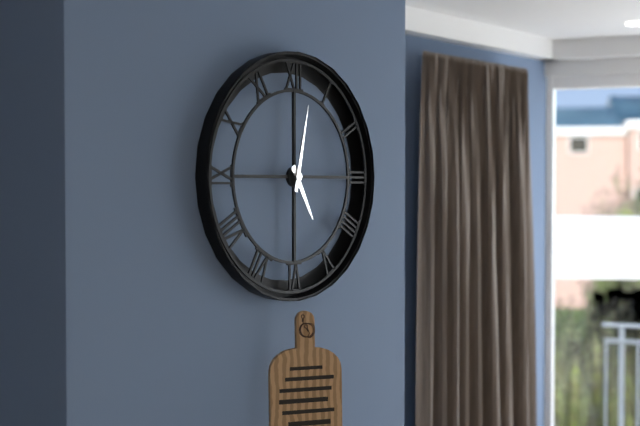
5h02
